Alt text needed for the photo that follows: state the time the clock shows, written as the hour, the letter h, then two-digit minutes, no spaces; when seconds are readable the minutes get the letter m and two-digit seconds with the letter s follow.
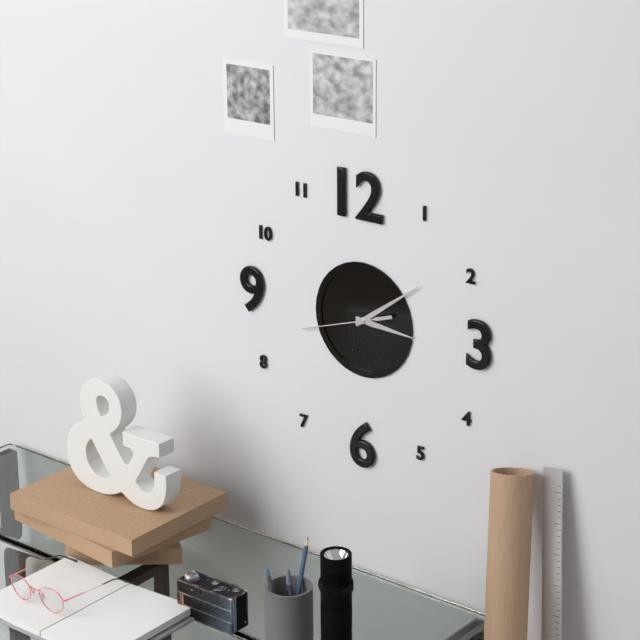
3h09m42s
